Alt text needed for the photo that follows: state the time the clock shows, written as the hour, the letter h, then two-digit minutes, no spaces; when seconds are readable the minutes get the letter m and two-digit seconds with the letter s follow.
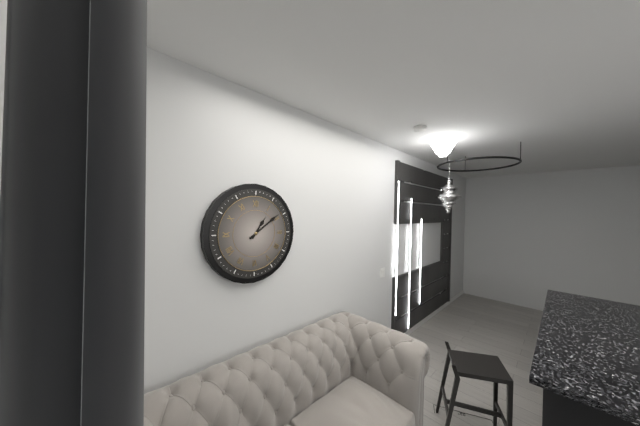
1h09
